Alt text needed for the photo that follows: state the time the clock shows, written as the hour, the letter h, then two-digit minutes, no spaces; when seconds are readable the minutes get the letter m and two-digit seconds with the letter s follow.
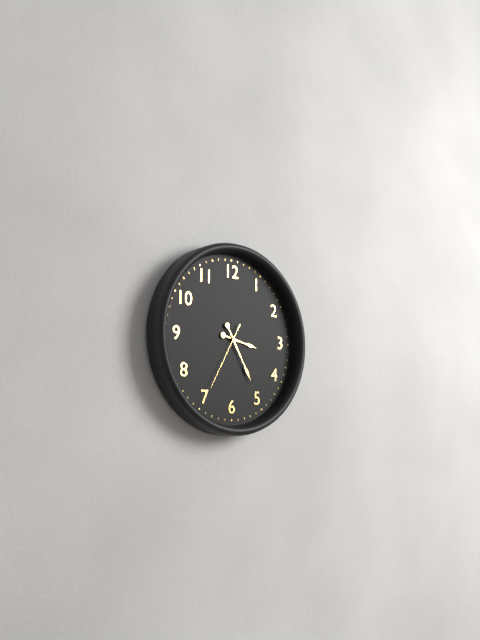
3h25m35s
